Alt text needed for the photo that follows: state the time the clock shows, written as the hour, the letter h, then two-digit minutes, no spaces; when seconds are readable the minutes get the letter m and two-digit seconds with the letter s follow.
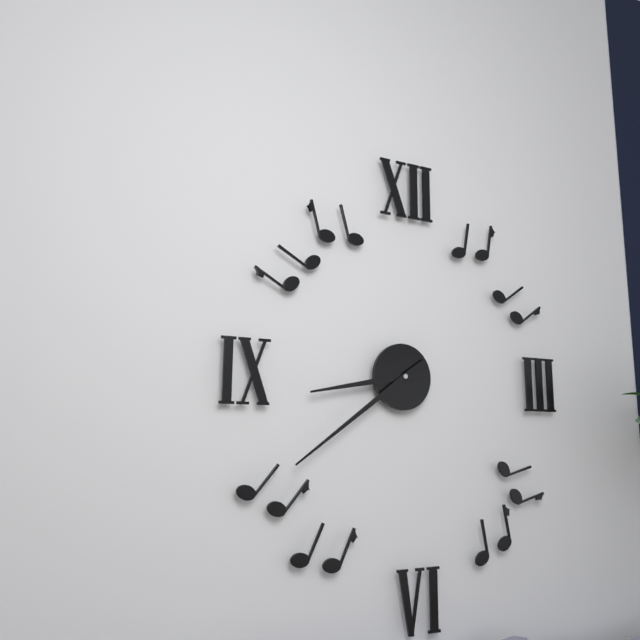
8h39
